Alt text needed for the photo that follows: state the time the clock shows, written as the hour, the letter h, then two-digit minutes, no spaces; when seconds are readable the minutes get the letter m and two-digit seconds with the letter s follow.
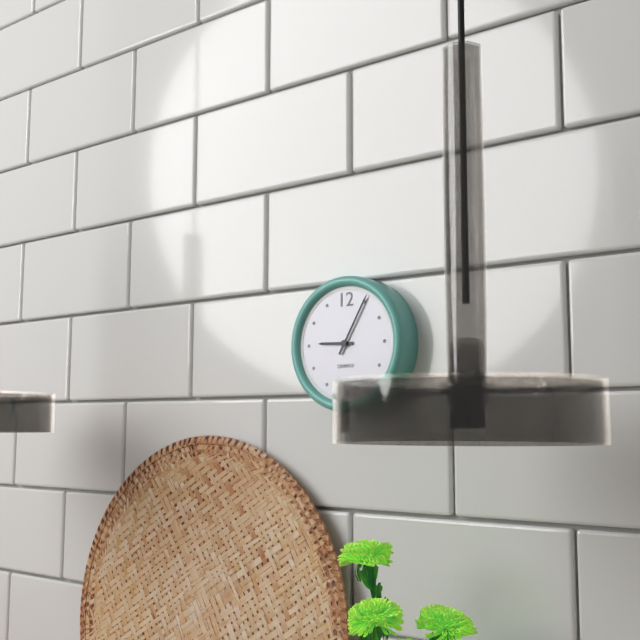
9h05
